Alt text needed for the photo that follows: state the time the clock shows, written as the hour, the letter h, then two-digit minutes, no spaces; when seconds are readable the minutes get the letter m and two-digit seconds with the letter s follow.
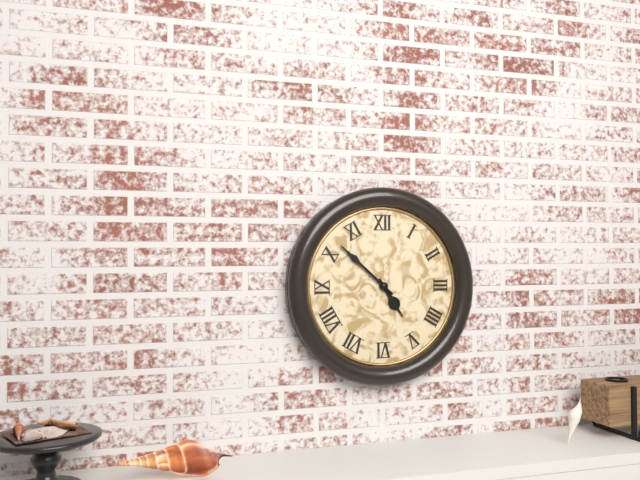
4h52
